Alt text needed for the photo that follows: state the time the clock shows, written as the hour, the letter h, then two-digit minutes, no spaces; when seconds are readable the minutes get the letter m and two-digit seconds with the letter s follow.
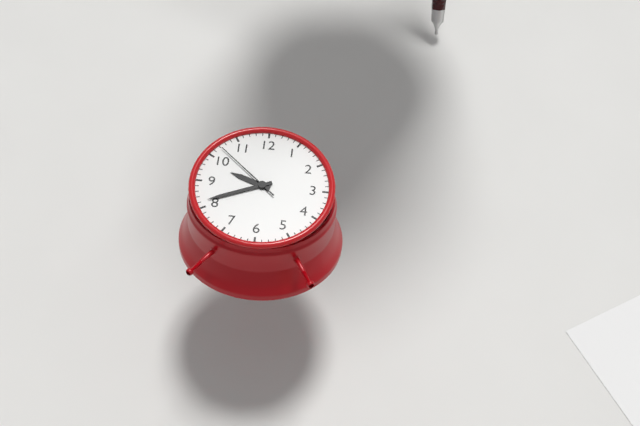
9h41m52s
